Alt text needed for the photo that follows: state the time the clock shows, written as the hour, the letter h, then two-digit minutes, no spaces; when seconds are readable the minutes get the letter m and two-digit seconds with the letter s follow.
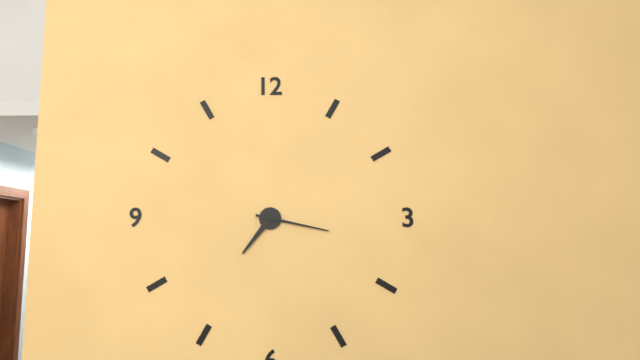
7h17
